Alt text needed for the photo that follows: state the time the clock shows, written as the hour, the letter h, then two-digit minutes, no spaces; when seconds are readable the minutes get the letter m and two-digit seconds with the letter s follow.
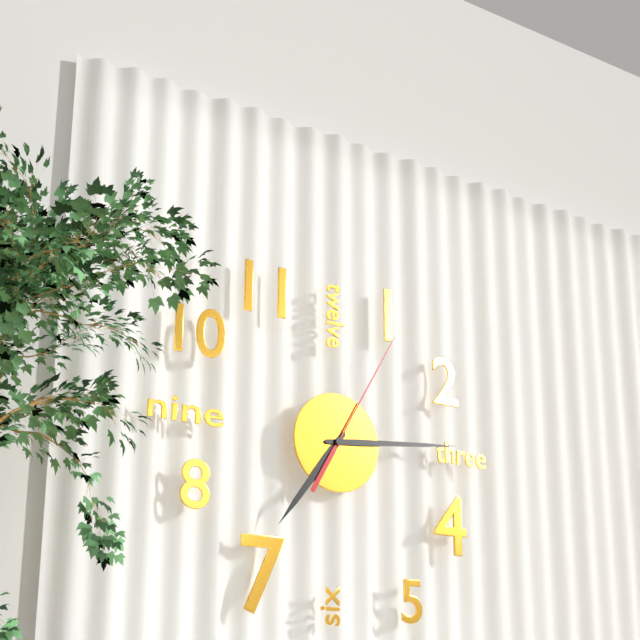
7h14m05s
